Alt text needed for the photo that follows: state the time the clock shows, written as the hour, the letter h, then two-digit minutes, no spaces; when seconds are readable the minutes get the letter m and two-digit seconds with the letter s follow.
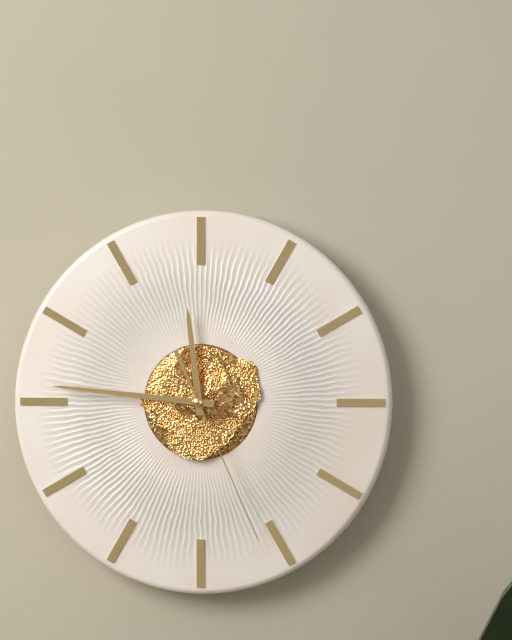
11h46m26s
